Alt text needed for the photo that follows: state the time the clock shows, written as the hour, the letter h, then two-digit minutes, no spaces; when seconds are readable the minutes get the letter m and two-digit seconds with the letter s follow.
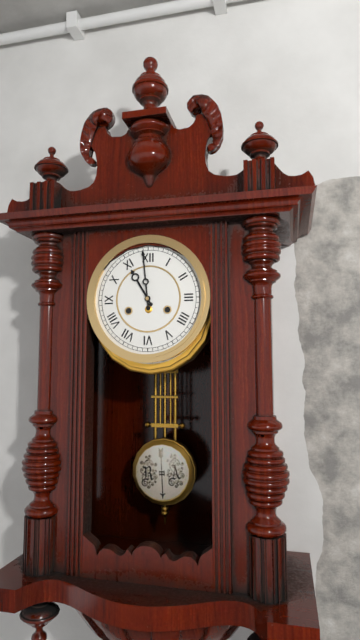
10h59
